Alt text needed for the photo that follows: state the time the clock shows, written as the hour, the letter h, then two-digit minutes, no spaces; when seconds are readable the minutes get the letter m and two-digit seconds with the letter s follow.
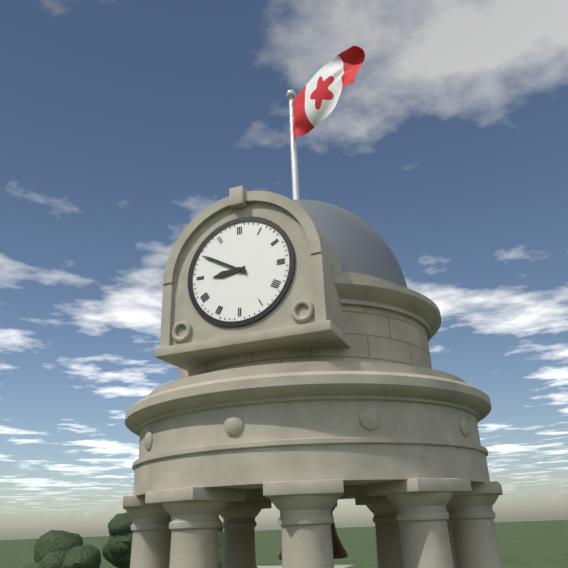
8h50
